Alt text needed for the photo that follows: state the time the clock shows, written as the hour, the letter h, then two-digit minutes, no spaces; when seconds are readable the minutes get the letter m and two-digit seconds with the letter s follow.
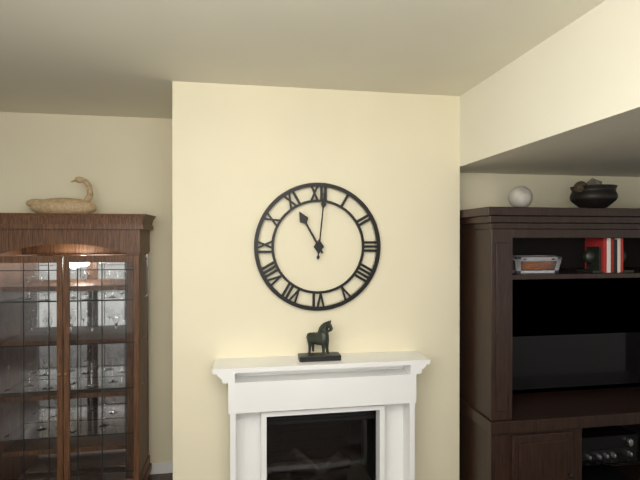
11h01m01s
